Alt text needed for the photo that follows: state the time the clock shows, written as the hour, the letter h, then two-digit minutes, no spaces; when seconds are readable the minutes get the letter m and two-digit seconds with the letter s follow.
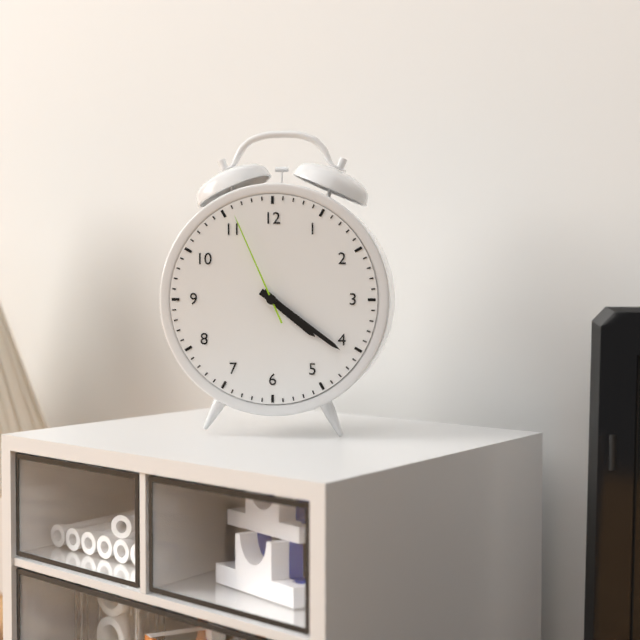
4h21m56s
